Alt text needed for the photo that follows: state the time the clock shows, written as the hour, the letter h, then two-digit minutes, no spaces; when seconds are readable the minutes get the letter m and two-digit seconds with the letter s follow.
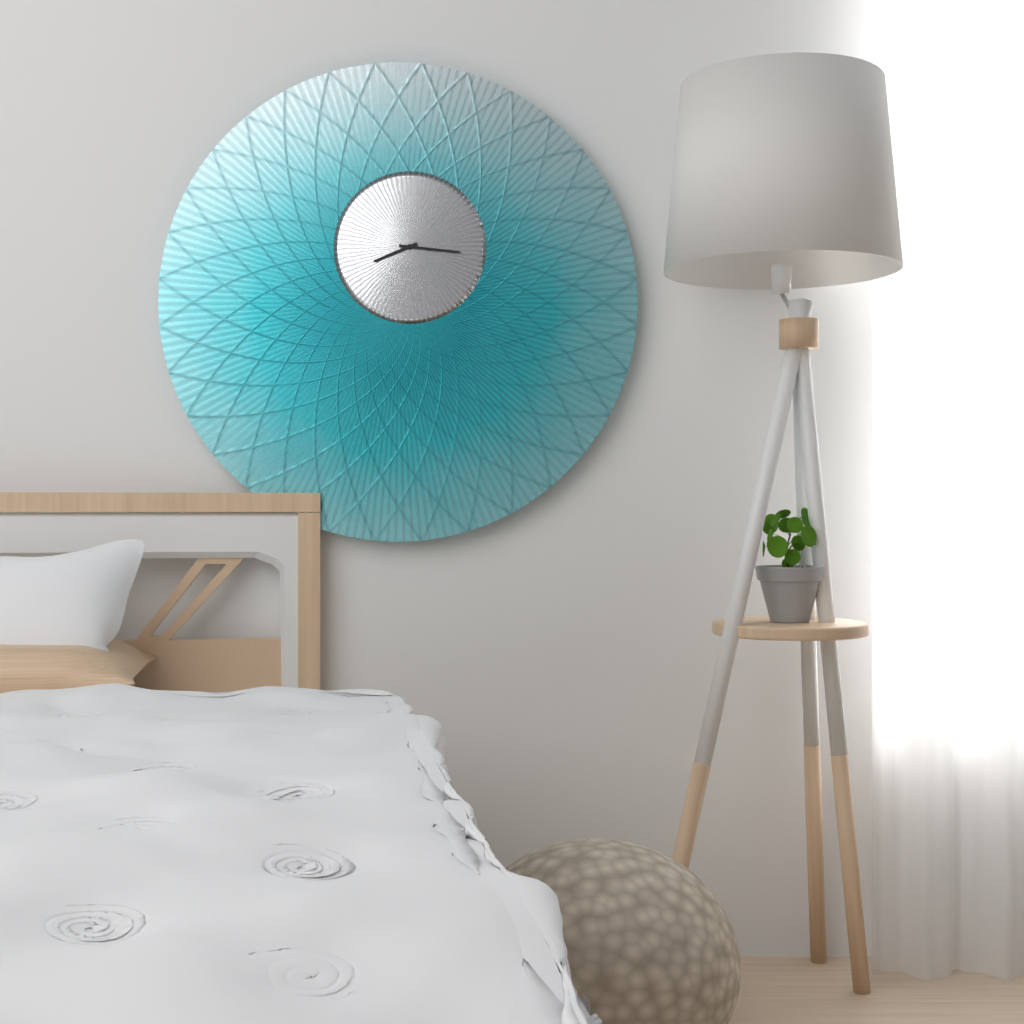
8h16
